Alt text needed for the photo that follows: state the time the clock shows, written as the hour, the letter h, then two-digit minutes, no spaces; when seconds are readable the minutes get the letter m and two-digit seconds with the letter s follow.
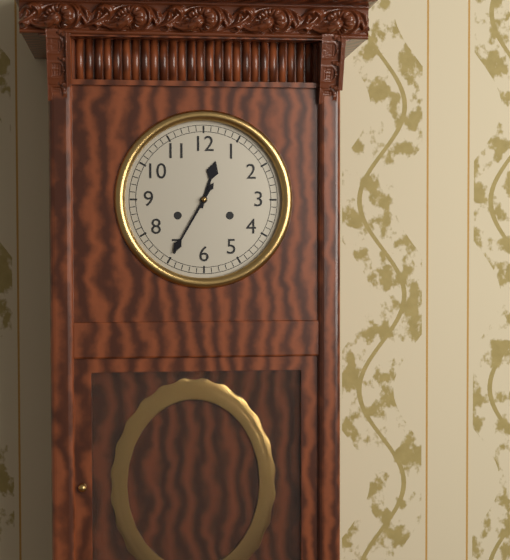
12h35
